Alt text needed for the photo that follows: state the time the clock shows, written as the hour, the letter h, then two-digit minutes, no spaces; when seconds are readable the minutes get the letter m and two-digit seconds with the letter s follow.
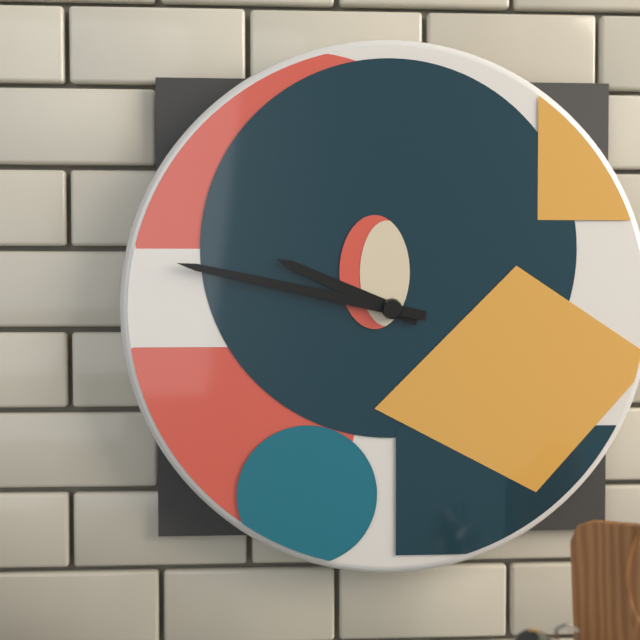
9h47
